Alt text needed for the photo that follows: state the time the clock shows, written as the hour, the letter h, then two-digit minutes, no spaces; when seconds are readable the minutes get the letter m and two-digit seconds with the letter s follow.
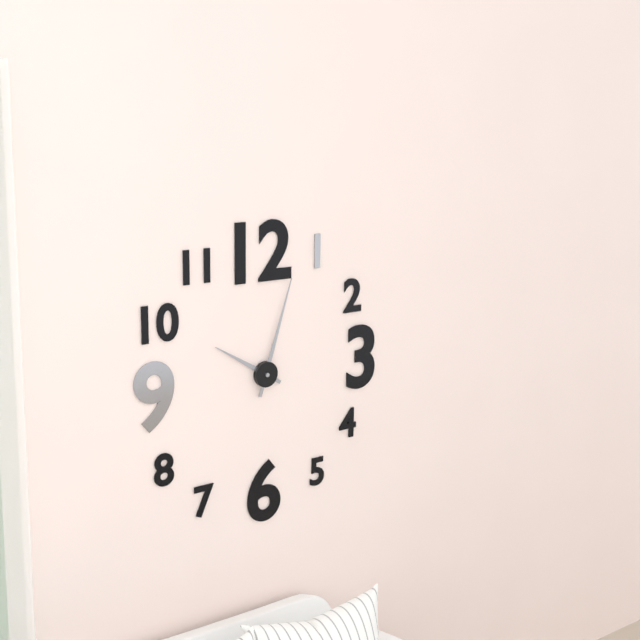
10h03
